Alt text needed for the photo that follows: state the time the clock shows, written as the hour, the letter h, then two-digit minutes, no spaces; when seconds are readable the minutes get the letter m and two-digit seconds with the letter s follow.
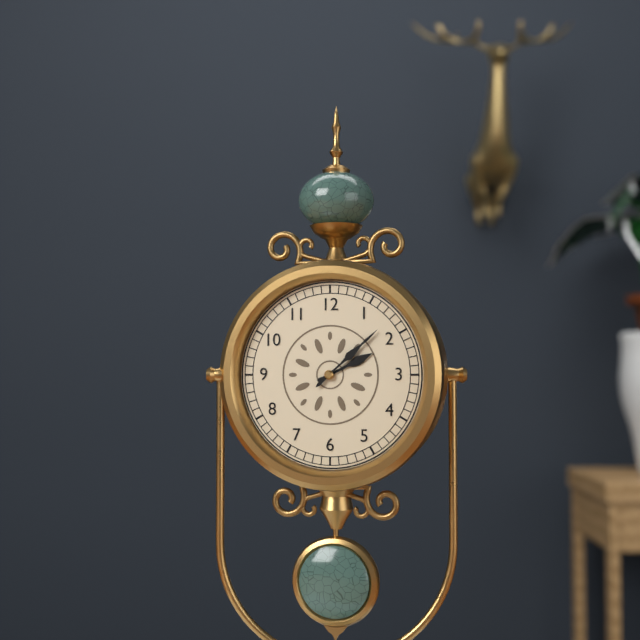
2h08
